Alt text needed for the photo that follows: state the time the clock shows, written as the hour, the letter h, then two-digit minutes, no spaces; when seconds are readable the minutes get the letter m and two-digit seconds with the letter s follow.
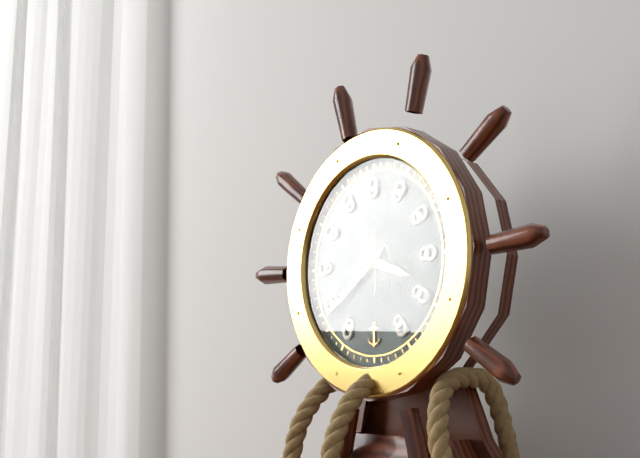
3h39
